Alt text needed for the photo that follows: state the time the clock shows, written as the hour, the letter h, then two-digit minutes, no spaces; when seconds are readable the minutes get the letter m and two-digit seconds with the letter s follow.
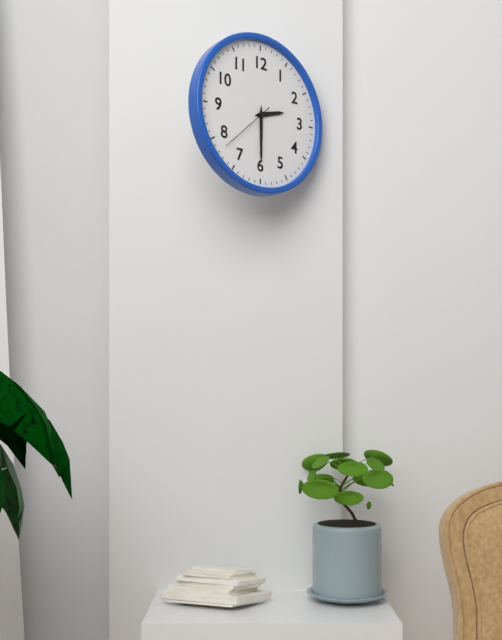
2h30m38s
